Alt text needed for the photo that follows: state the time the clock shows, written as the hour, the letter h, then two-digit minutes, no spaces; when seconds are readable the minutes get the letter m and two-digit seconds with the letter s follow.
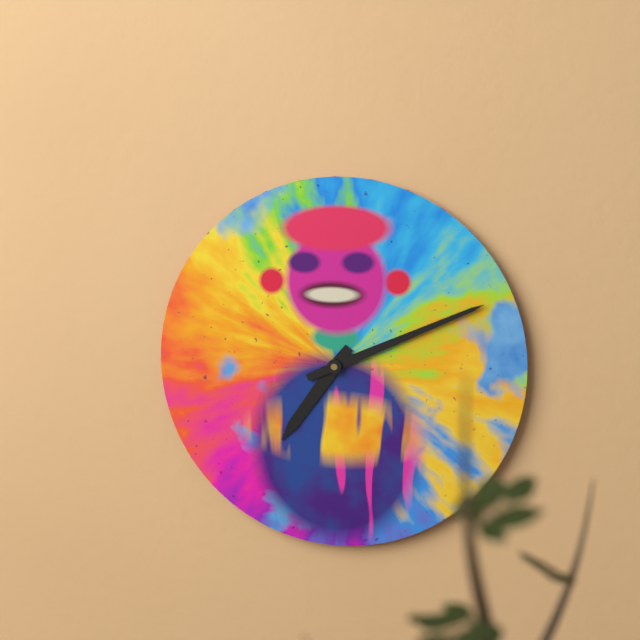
7h11
